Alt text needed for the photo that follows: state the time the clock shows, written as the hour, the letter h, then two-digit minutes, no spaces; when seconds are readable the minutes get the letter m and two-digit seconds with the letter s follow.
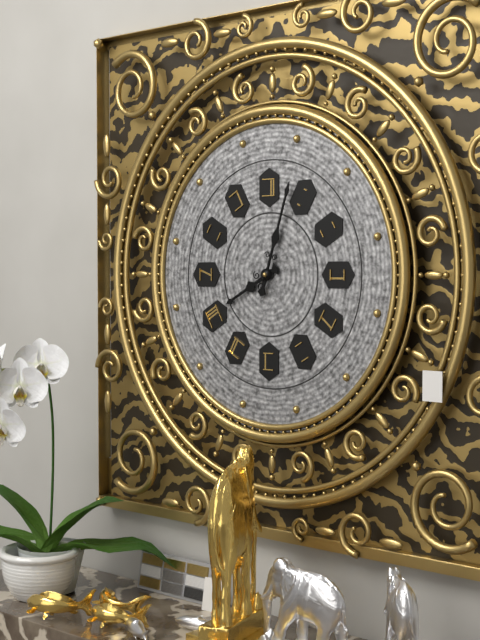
8h03
